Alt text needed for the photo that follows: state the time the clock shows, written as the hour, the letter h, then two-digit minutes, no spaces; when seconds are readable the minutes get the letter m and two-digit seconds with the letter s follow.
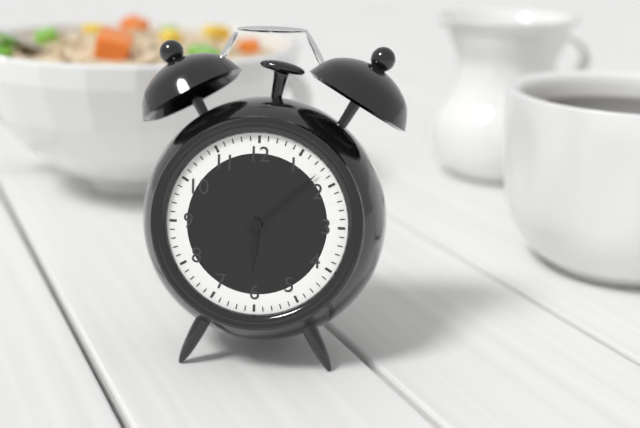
6h08
